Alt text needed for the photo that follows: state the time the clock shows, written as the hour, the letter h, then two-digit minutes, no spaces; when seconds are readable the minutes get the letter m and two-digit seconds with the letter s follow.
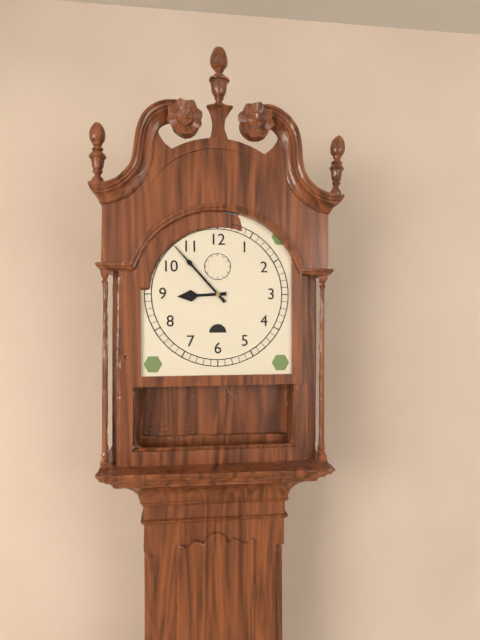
8h53
